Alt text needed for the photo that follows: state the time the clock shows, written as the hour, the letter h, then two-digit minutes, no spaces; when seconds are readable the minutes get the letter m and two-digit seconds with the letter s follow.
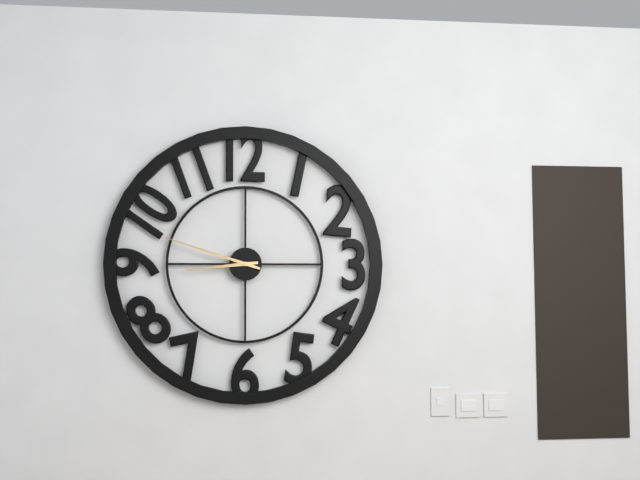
8h48
